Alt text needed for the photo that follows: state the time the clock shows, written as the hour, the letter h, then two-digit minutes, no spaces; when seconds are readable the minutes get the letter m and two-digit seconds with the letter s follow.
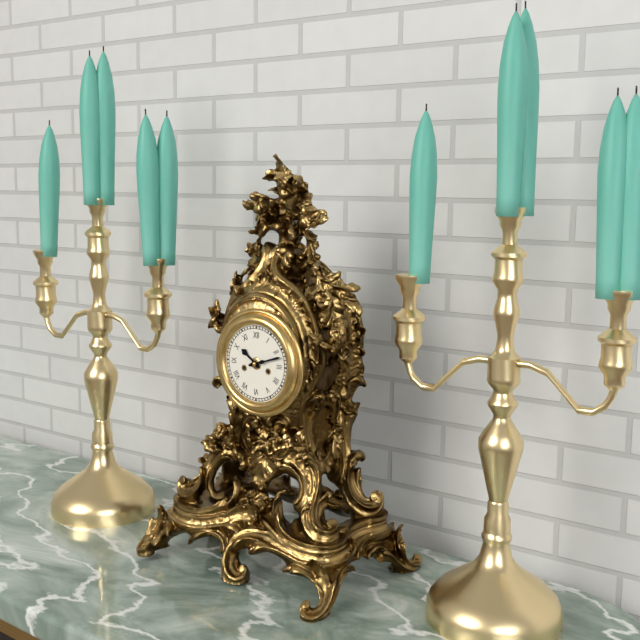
10h12
